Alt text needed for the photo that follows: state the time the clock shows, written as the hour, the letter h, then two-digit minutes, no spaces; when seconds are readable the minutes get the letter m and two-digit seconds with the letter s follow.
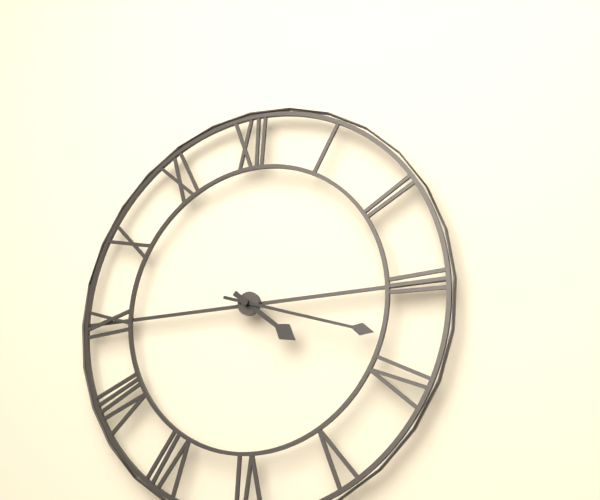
4h18
